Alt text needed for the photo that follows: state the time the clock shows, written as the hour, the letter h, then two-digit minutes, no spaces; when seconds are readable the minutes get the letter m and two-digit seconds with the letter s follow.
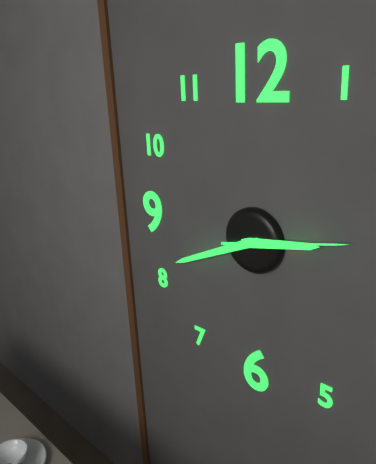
2h41m13s
